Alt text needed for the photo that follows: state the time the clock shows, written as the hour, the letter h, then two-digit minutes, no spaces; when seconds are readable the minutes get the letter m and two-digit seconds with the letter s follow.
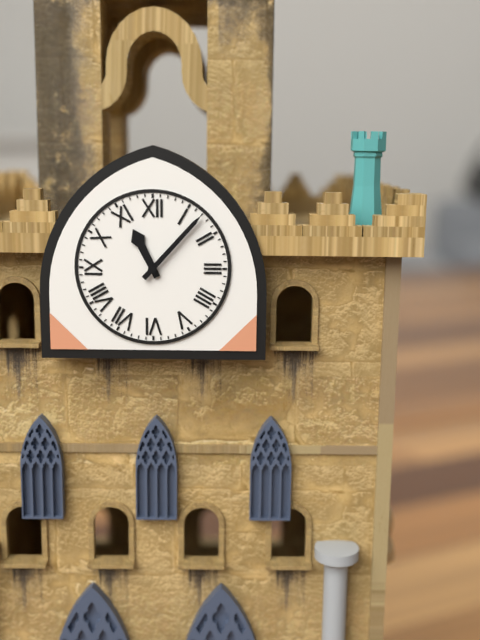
11h07
